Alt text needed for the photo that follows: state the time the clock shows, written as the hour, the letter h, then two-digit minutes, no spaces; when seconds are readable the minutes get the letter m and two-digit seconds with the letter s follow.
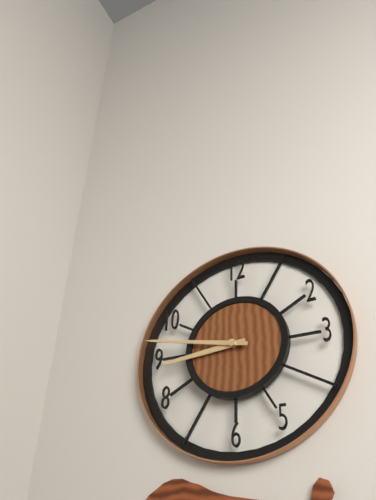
8h47
